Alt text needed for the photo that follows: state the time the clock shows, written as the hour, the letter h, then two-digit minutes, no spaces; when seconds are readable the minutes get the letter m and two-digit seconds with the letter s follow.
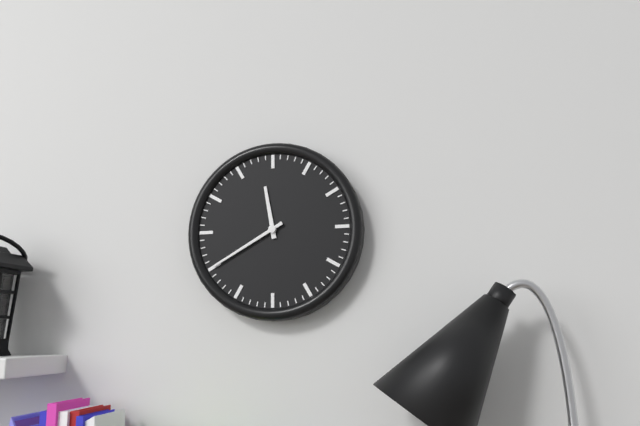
11h40
